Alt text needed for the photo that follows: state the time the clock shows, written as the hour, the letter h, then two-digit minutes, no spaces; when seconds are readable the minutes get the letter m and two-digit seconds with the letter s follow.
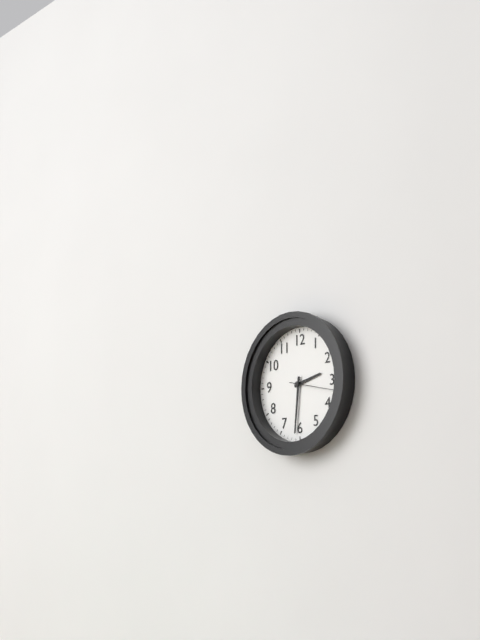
2h31
